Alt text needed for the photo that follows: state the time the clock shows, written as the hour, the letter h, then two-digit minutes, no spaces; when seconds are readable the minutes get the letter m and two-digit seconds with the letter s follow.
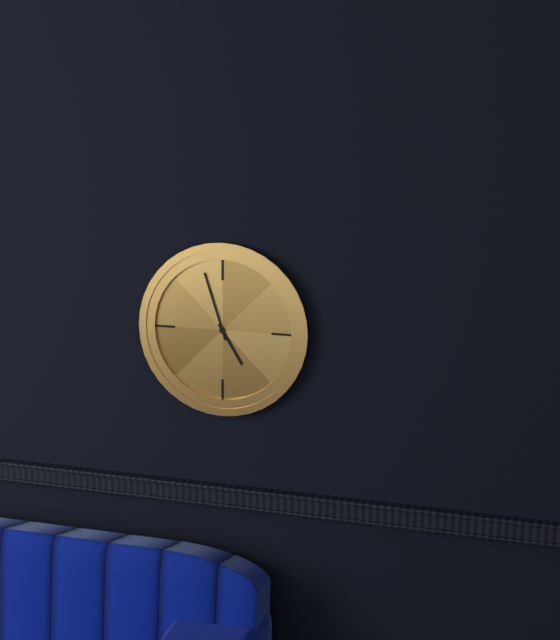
4h57
